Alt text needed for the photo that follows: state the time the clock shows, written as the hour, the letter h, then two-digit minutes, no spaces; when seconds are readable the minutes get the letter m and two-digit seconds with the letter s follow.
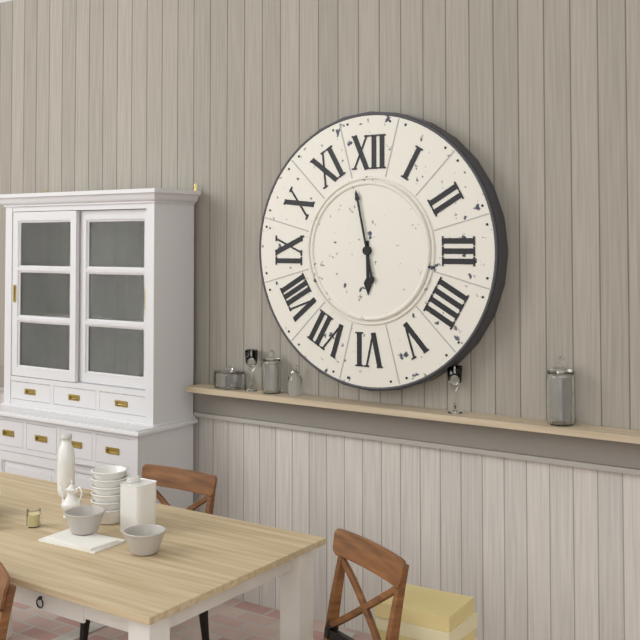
5h58
